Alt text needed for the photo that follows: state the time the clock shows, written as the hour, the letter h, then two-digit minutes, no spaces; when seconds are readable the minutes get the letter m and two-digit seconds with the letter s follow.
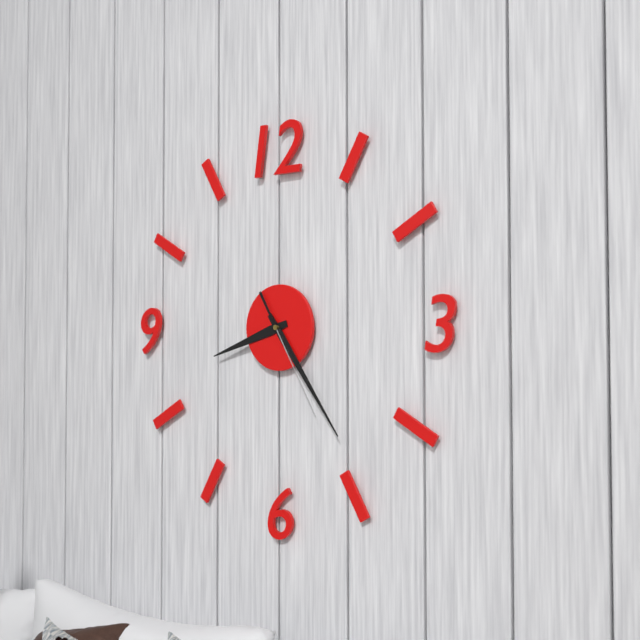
8h24m25s
